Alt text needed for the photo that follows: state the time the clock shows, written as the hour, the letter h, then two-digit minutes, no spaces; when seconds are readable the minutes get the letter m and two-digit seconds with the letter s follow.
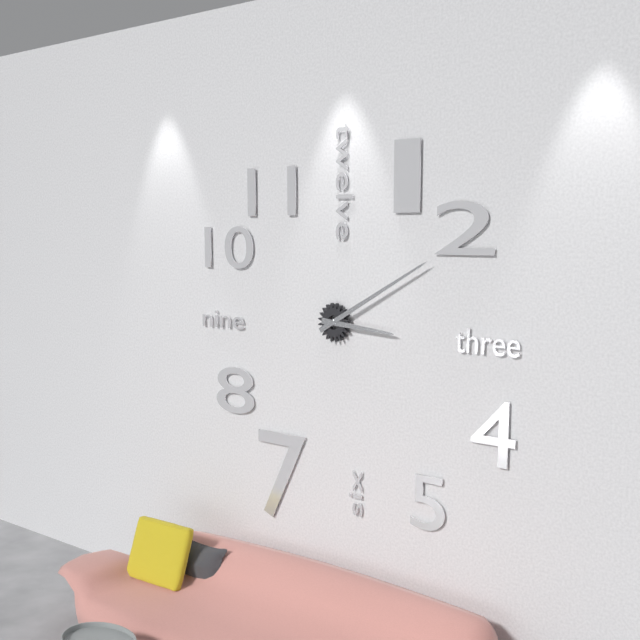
3h10
